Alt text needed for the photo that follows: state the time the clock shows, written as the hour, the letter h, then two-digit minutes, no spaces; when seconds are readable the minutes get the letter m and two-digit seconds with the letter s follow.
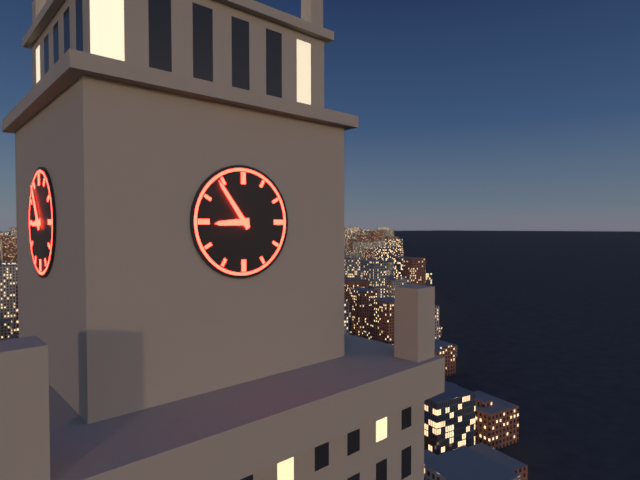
8h54
